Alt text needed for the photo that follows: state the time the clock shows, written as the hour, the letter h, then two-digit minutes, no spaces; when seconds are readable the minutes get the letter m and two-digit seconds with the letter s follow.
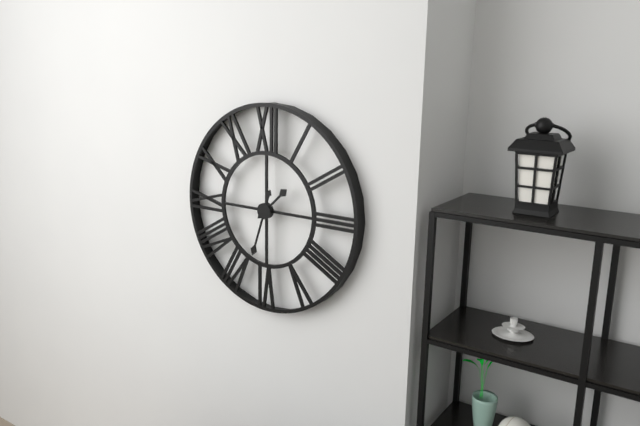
1h33
